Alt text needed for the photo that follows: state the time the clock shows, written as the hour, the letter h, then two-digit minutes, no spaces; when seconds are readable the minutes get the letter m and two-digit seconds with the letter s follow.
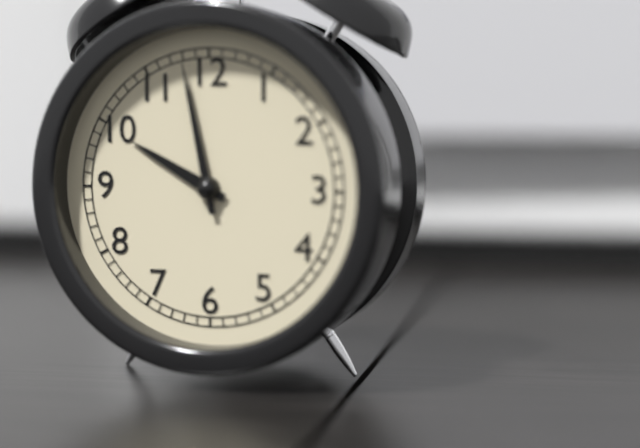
9h58
